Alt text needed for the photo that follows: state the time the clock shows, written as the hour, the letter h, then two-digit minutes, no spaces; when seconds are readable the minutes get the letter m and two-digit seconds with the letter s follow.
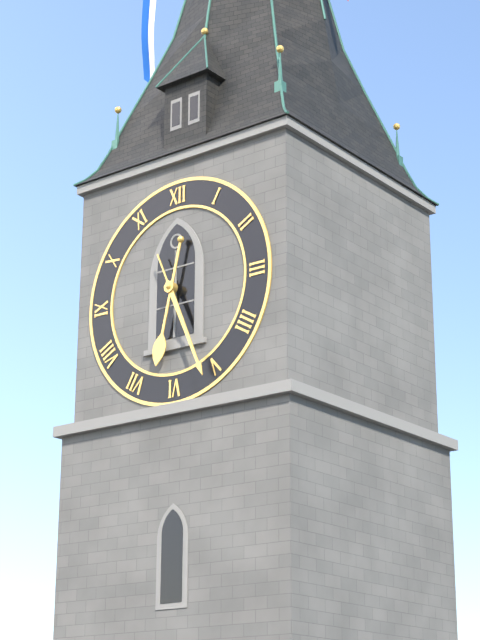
6h26
